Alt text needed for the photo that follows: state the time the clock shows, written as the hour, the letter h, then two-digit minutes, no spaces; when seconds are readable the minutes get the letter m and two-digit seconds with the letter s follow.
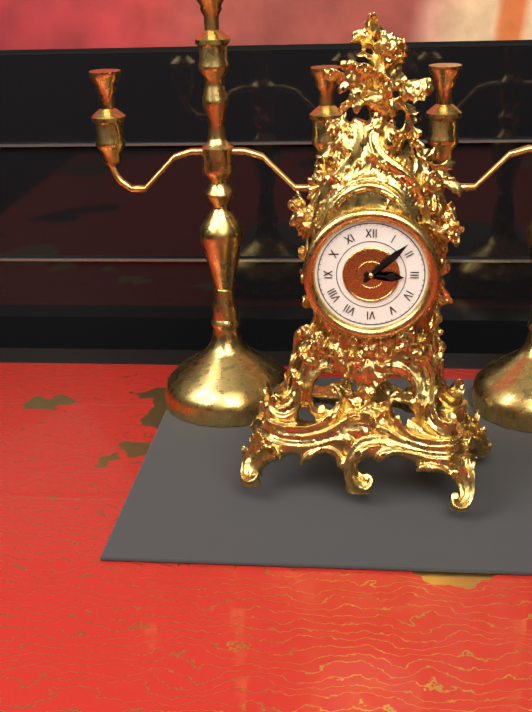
3h08
